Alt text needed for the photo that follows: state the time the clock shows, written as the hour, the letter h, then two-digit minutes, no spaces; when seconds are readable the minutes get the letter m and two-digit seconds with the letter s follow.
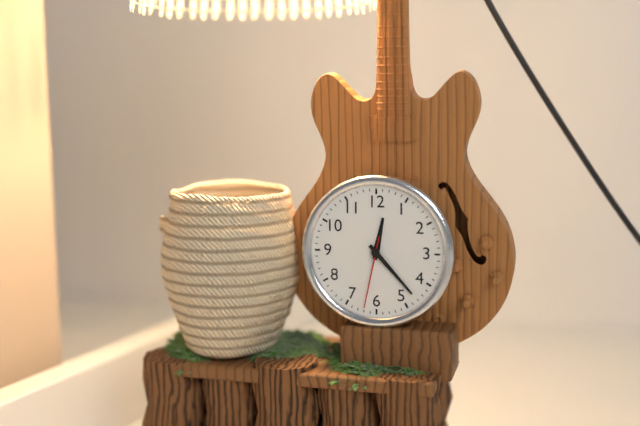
12h23m32s
